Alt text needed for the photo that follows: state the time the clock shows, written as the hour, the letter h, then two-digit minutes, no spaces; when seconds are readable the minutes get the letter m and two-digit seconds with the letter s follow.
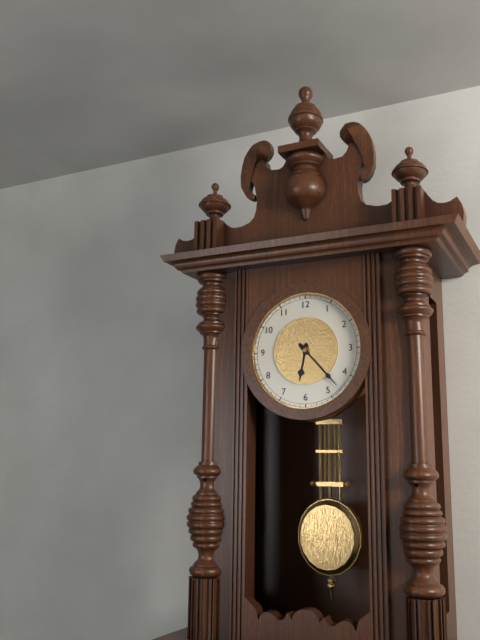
6h23
